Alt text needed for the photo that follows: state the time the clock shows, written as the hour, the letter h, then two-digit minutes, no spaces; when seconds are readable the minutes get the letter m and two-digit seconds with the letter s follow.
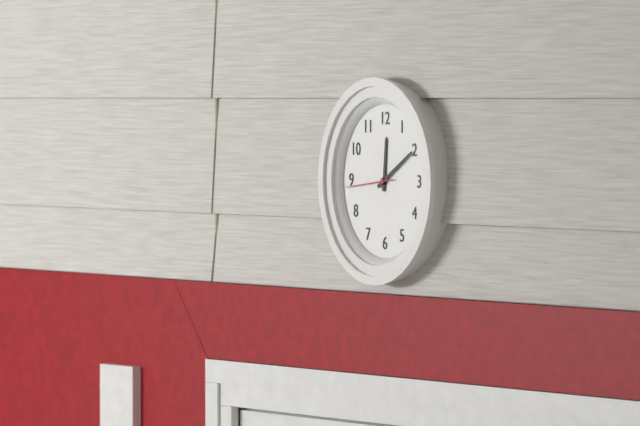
12h10m44s
